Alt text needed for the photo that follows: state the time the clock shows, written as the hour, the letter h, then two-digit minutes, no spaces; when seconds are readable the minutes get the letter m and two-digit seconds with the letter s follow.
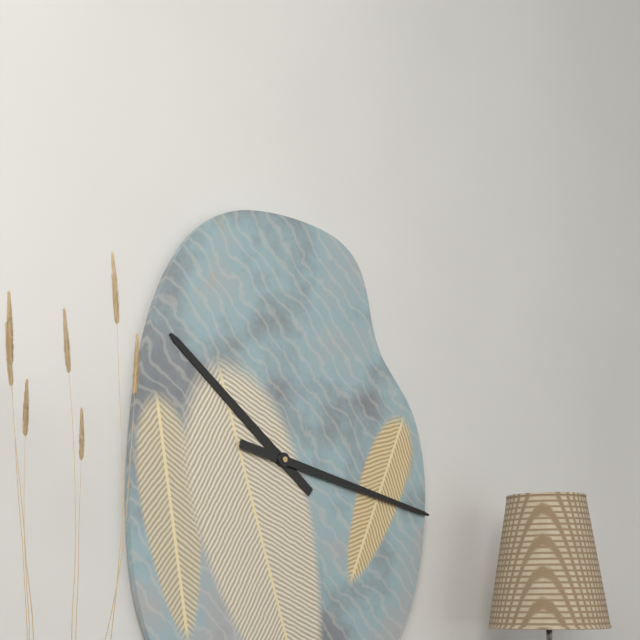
10h17
